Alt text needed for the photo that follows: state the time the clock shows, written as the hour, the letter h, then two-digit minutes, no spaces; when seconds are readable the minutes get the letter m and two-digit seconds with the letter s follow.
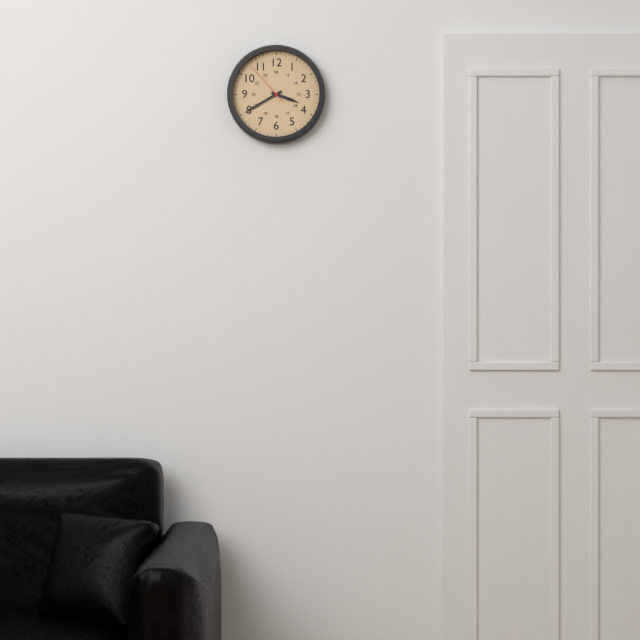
3h40
